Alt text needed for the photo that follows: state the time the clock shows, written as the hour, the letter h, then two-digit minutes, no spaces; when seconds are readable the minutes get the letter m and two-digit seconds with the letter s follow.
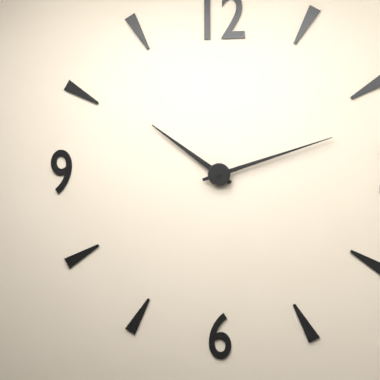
10h12
